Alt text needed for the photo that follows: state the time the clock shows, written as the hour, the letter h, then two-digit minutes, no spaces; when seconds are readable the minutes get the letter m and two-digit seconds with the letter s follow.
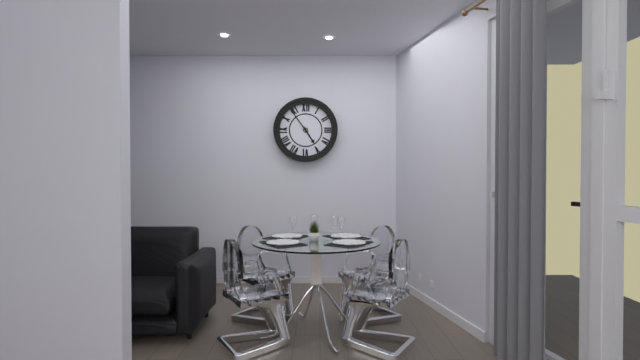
4h54
